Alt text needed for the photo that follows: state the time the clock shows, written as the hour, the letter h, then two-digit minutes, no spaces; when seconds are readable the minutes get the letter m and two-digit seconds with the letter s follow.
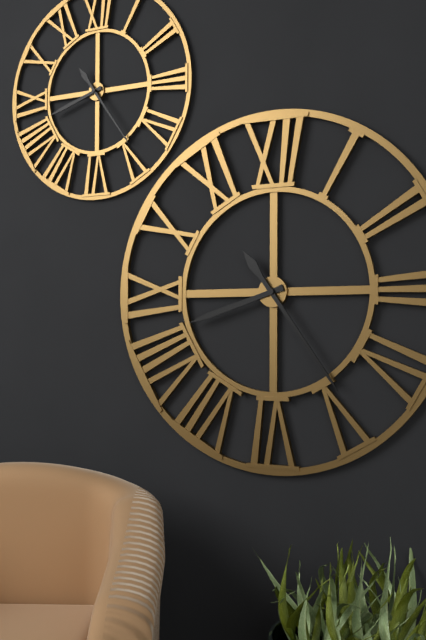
8h24
